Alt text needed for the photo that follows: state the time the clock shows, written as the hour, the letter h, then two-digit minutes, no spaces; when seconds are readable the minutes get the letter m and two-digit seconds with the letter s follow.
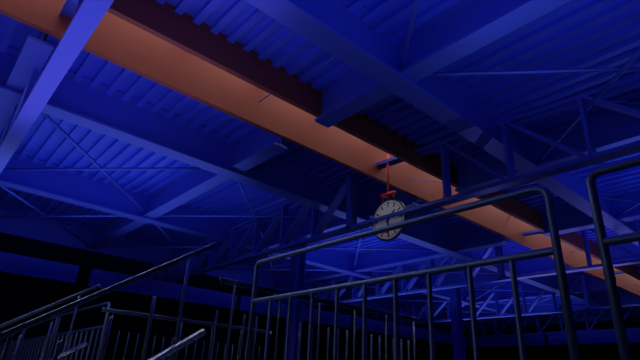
1h30
